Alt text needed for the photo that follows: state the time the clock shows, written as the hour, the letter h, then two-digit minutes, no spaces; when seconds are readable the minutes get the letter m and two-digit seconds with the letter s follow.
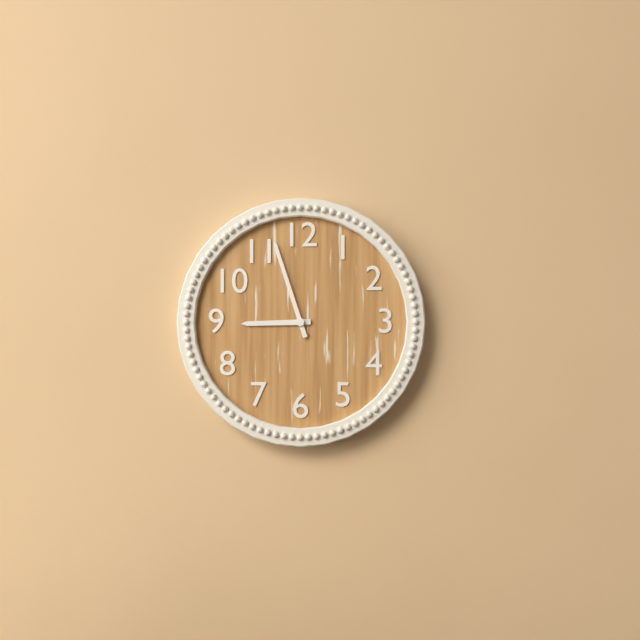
8h57
